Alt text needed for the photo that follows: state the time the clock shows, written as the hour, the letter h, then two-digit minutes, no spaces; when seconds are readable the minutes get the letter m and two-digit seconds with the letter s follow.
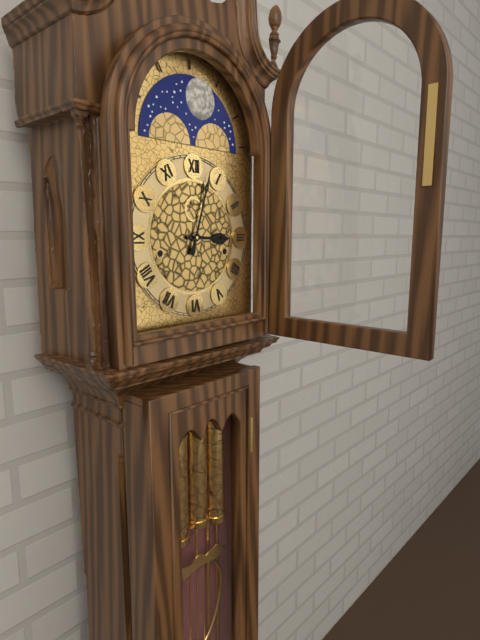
3h03
